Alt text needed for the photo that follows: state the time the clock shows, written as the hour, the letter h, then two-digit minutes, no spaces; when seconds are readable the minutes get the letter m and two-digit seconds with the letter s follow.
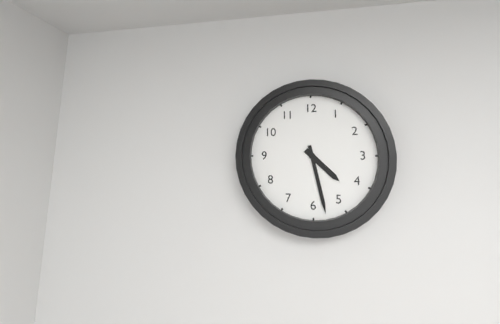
4h28
